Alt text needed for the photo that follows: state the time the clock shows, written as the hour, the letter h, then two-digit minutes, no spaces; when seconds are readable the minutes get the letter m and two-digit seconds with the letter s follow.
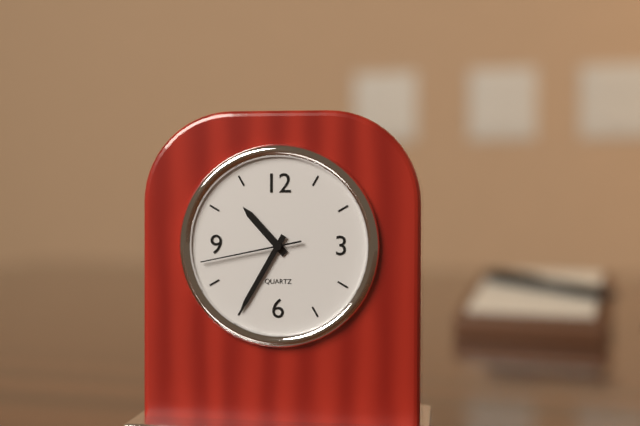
10h35m43s
